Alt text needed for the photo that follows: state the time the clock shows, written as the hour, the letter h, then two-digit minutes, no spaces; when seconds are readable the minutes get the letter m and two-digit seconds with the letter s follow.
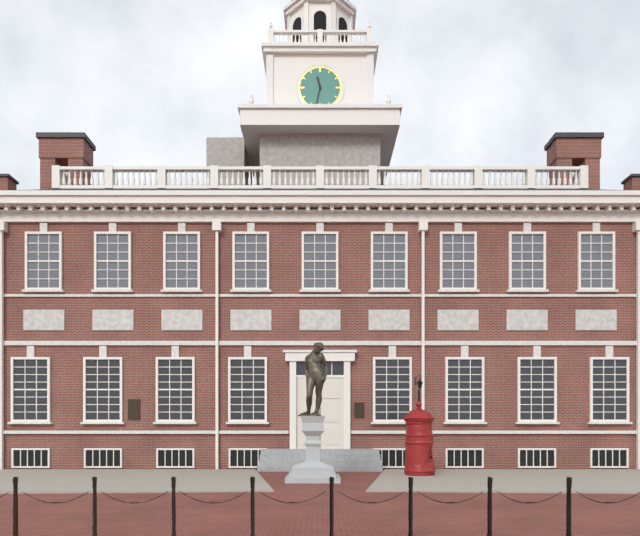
11h32
